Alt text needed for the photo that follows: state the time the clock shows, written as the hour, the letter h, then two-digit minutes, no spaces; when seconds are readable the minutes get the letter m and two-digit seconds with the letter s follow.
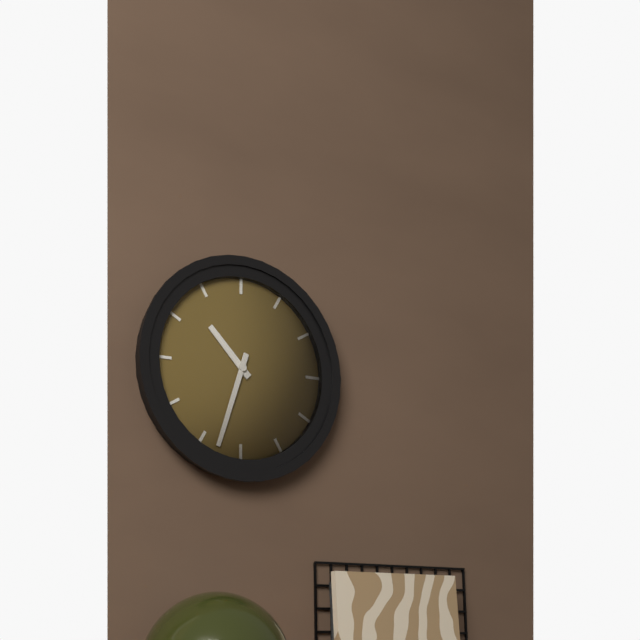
10h33
